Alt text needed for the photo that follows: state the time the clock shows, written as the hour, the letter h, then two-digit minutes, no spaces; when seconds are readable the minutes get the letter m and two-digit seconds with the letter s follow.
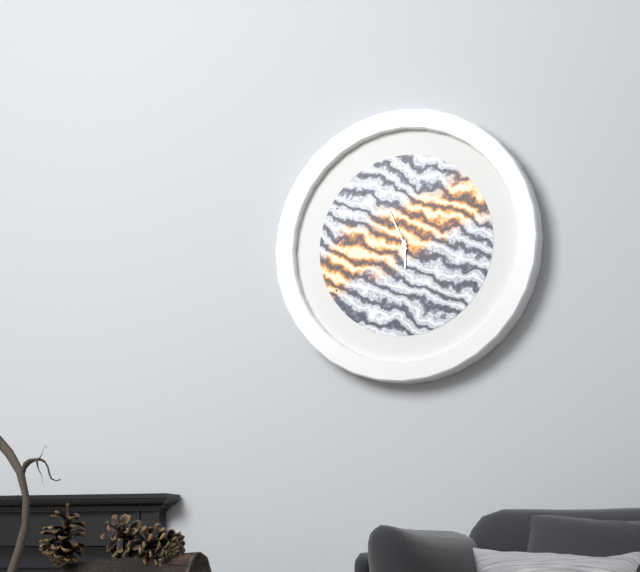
5h56
